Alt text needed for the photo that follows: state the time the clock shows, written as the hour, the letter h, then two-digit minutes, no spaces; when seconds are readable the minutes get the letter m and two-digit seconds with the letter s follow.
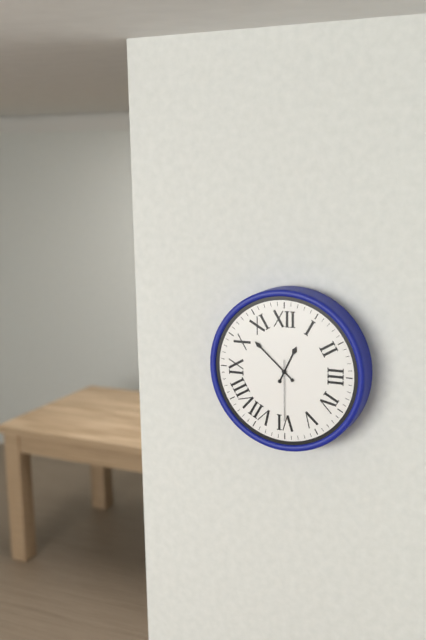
12h52m30s
